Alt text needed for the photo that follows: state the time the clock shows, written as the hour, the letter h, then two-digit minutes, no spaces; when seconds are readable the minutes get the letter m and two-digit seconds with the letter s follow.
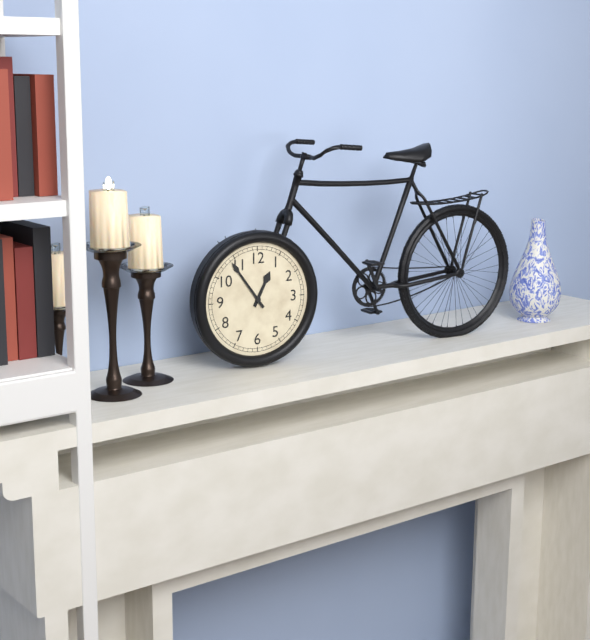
12h54
